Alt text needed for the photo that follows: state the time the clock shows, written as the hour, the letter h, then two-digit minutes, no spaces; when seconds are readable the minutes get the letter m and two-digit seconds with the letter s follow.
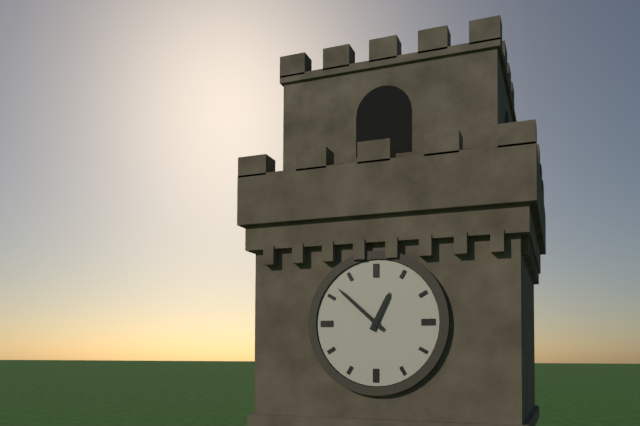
12h52
